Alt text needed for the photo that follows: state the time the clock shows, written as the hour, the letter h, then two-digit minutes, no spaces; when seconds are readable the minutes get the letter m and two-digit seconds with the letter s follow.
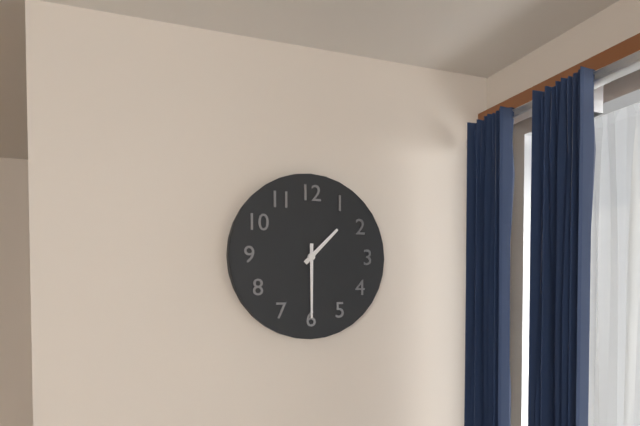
1h30
